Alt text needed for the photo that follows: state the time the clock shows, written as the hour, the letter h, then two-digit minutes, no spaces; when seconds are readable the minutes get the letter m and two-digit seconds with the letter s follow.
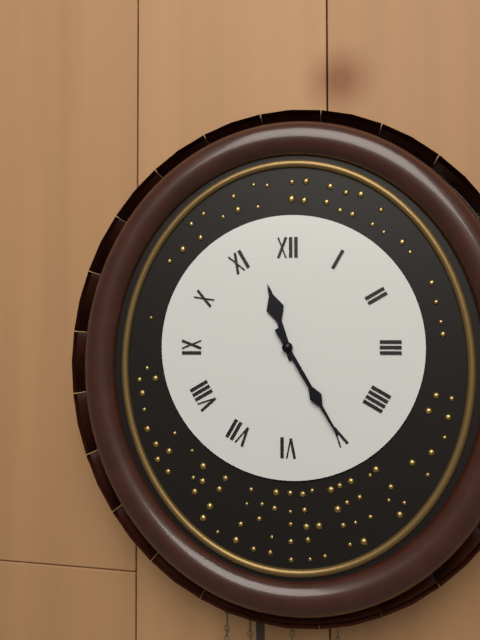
11h25
